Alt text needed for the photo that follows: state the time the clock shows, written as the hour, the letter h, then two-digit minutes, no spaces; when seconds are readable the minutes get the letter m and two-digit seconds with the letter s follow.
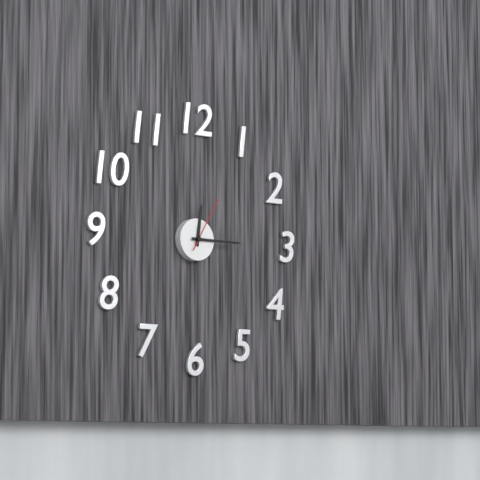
12h15m05s
